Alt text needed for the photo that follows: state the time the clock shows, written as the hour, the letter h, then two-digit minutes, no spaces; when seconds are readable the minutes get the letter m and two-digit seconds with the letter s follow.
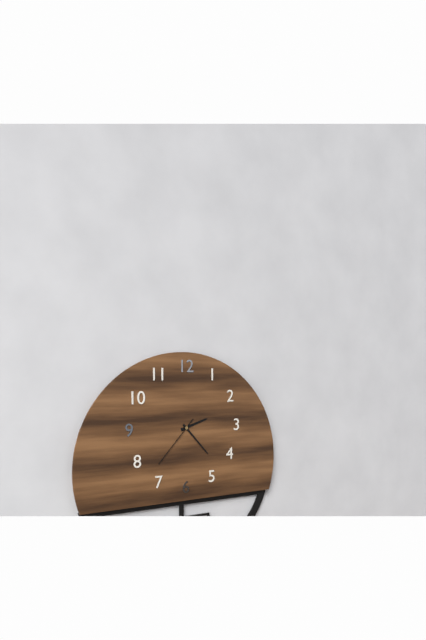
2h23m37s
